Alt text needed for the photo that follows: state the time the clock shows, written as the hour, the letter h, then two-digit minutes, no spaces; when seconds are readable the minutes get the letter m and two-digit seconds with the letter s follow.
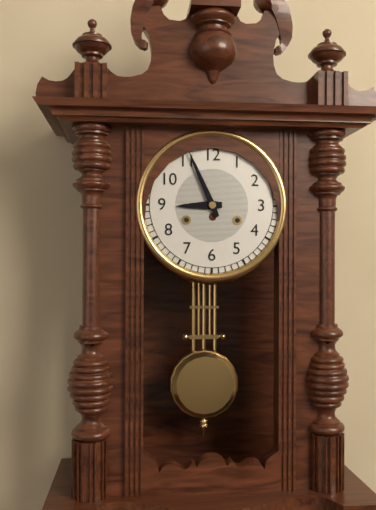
8h56
